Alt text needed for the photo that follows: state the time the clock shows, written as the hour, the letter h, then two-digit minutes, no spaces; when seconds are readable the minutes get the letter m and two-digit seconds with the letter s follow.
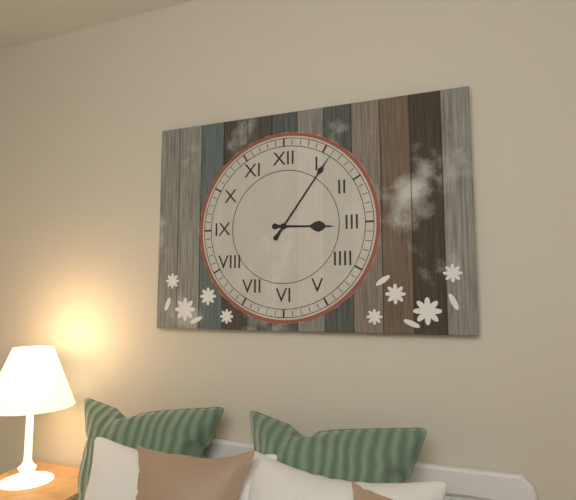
3h06
